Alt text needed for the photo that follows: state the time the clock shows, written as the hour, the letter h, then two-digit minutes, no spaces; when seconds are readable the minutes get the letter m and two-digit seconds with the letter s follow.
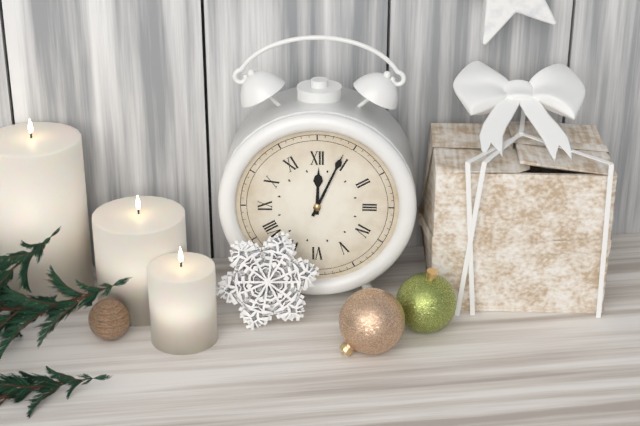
12h04
